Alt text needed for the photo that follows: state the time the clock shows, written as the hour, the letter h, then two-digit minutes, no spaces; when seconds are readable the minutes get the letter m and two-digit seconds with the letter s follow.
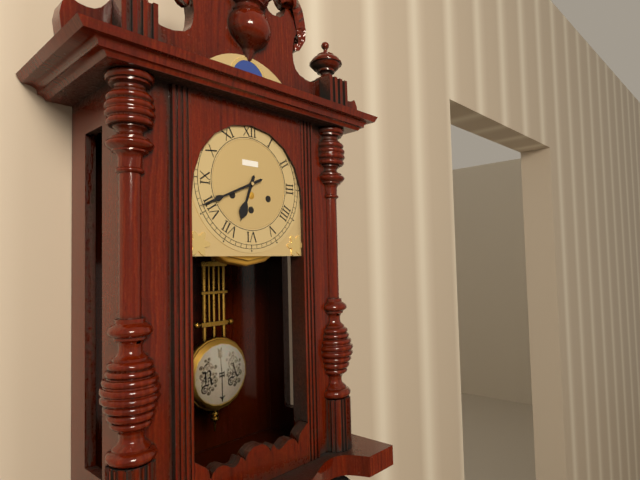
6h41
